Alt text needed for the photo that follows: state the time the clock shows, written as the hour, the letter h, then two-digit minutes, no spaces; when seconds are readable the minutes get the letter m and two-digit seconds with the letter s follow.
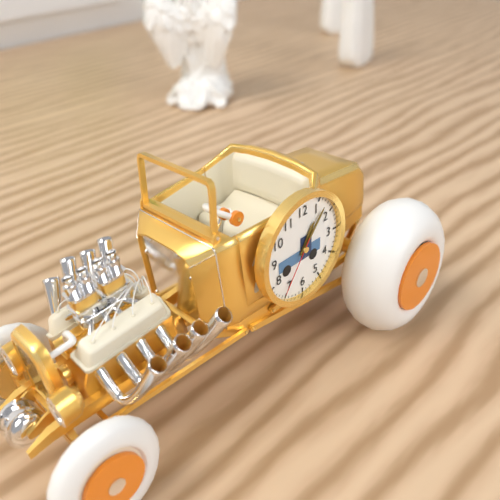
1h07m36s
